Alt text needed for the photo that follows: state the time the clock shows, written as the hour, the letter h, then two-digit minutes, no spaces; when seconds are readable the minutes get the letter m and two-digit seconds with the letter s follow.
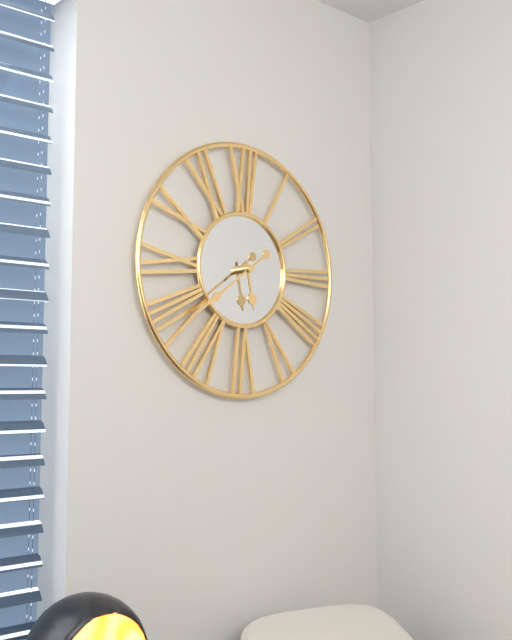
5h39
